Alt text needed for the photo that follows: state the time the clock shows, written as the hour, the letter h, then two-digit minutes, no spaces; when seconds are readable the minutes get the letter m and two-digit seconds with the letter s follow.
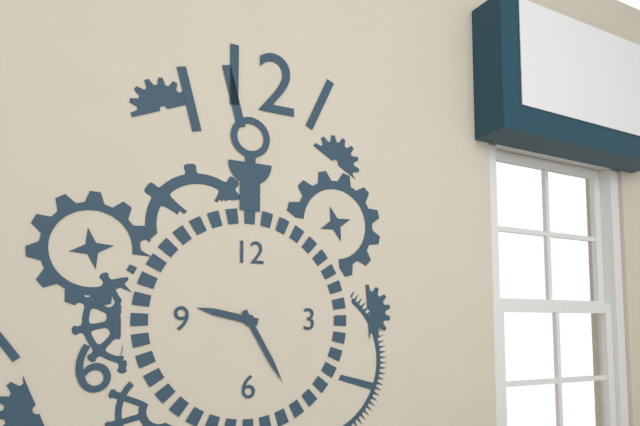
9h25
